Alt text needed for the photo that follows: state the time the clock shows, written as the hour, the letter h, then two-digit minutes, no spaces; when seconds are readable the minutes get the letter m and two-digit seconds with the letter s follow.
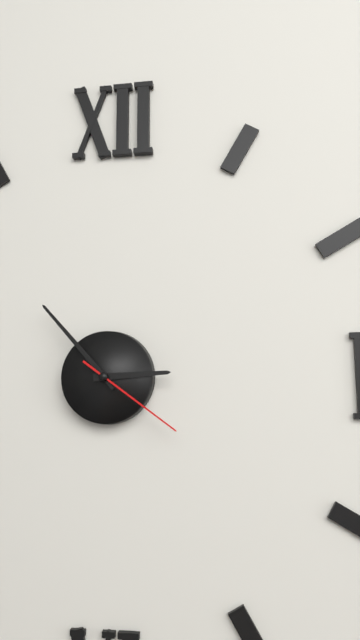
2h53m21s
